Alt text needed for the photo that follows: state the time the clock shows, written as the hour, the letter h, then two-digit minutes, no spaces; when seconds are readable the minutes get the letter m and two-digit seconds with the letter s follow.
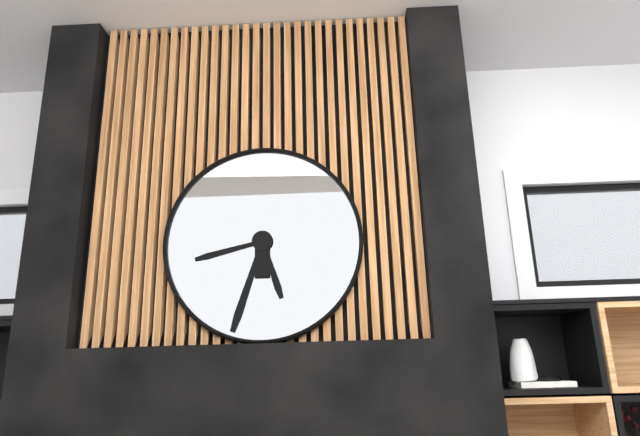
8h33m27s
